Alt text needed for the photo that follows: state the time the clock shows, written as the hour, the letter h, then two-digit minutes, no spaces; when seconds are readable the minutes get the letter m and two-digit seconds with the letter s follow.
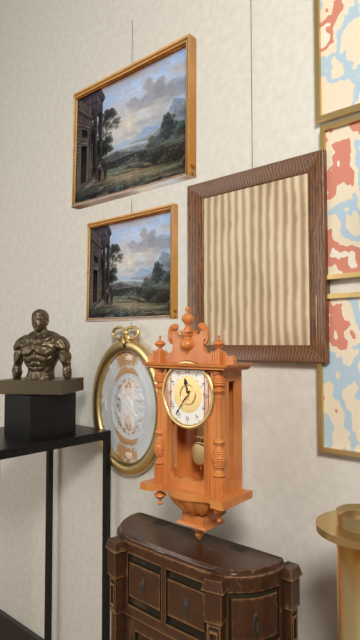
11h36
